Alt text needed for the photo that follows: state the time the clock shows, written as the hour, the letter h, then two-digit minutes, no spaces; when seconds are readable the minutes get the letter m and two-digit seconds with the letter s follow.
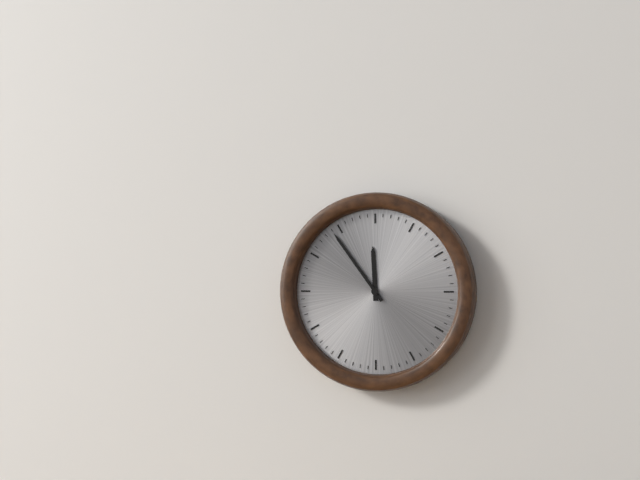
11h54
